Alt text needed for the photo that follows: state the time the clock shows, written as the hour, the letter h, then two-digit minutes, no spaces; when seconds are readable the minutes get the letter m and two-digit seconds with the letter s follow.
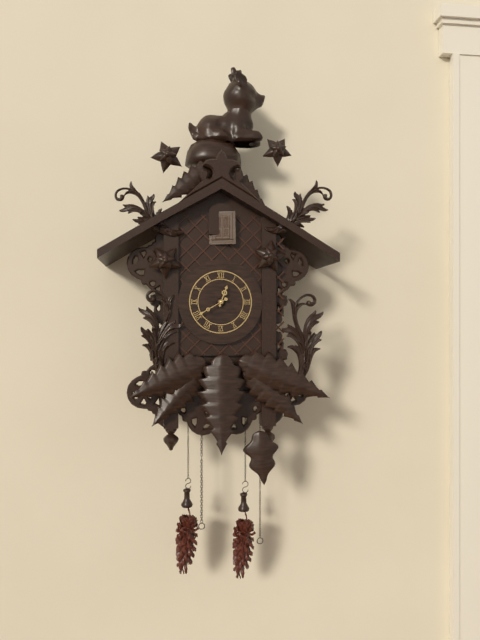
12h40
